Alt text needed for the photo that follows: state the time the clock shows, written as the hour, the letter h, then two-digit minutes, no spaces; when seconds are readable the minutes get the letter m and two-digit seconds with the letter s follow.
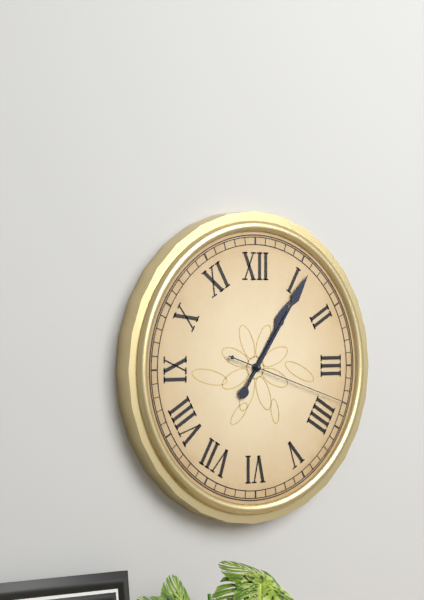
1h06m18s
